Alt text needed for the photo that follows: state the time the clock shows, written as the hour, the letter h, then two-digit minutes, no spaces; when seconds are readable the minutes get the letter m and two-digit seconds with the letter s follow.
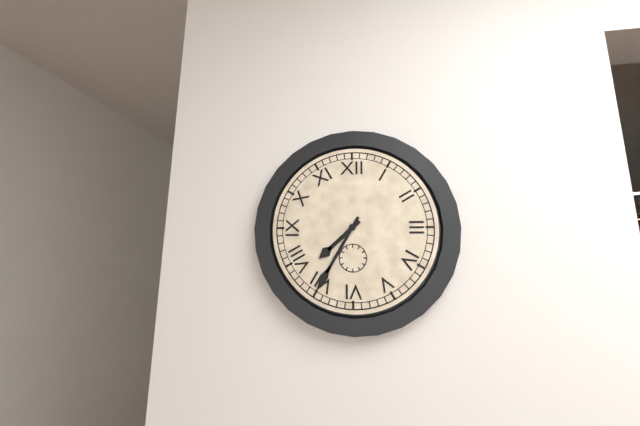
7h35
